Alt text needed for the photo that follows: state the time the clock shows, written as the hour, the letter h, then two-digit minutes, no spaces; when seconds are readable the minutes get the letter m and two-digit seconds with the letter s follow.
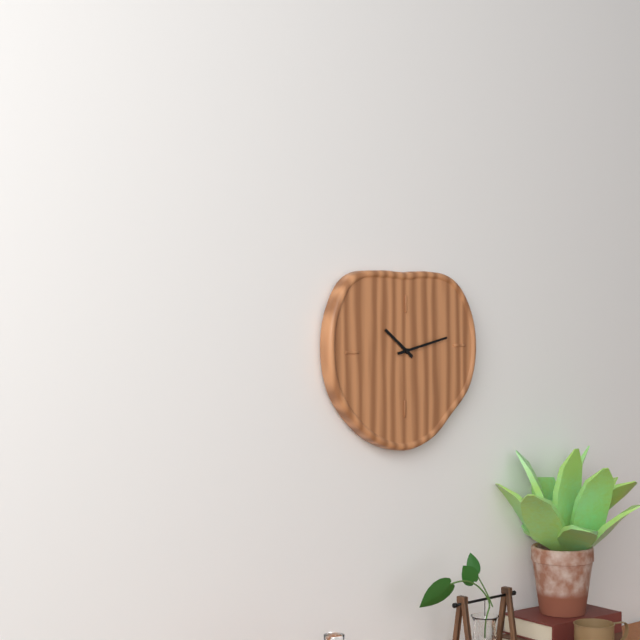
10h13
